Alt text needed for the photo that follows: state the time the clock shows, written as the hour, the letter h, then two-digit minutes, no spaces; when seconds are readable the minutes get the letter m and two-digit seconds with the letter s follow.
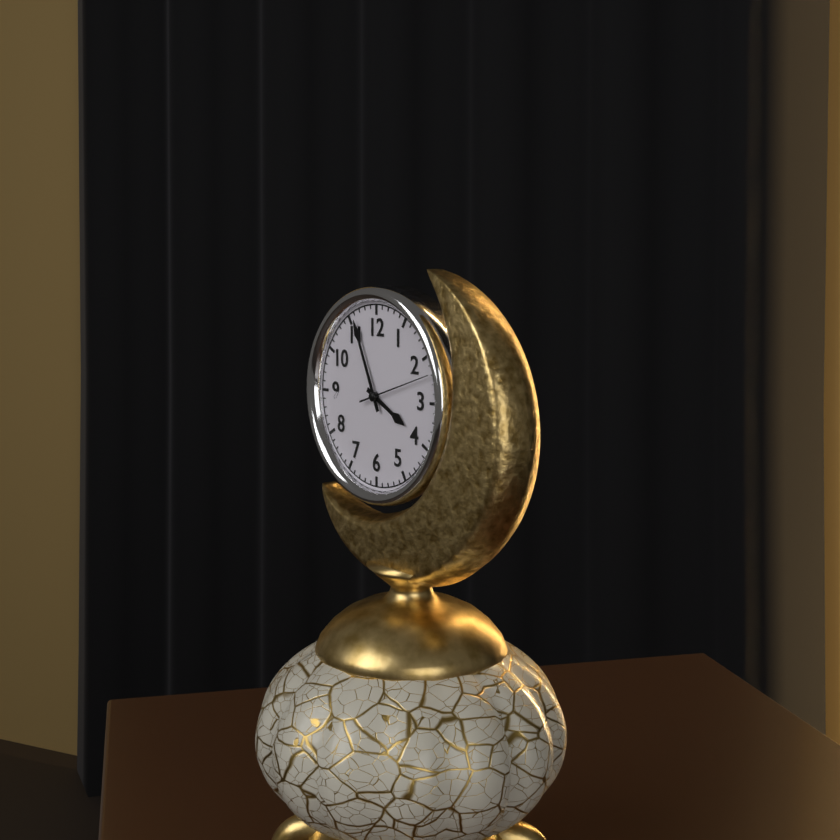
3h56m12s
